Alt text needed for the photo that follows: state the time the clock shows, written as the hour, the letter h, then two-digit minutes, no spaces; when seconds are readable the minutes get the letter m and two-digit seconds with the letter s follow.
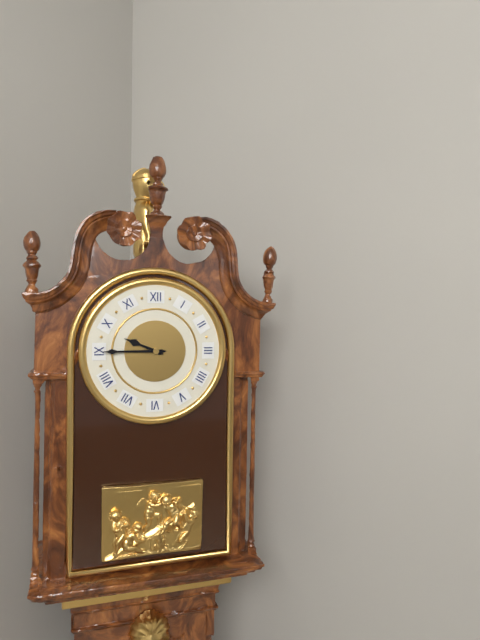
9h45
